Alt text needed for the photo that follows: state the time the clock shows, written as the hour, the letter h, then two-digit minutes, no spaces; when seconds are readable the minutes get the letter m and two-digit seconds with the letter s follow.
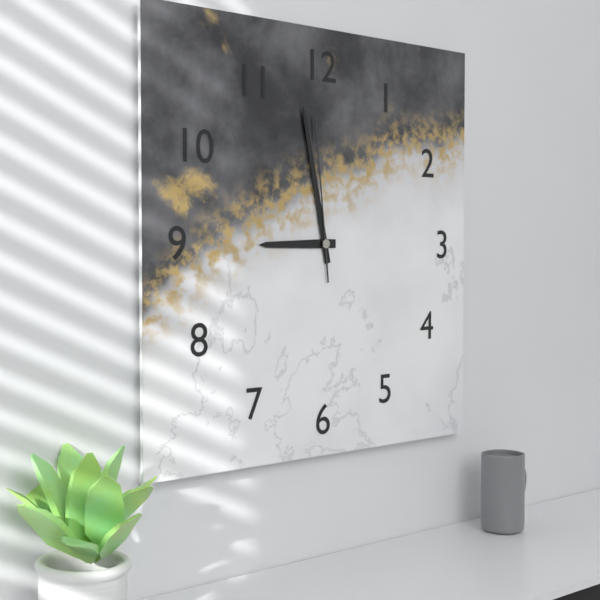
8h58m59s
